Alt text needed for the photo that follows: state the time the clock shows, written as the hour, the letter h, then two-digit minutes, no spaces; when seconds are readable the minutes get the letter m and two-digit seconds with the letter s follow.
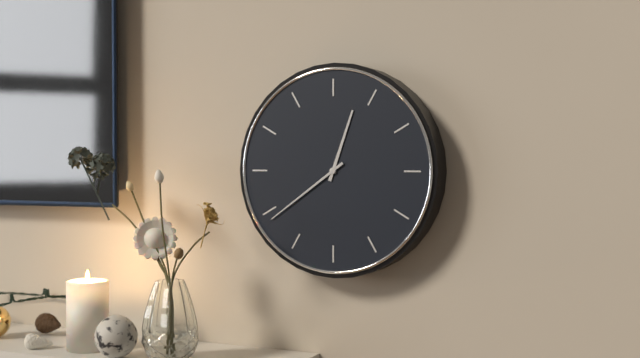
12h39
